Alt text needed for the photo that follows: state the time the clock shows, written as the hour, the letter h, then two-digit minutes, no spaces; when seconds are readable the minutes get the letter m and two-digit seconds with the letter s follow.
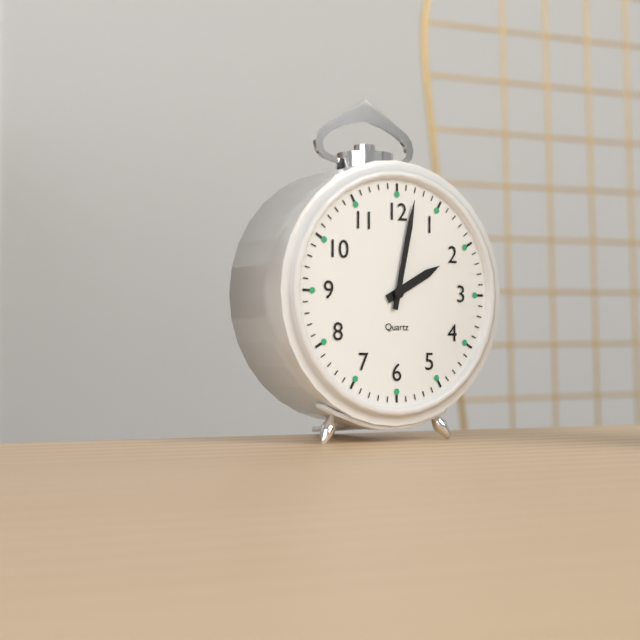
2h02
